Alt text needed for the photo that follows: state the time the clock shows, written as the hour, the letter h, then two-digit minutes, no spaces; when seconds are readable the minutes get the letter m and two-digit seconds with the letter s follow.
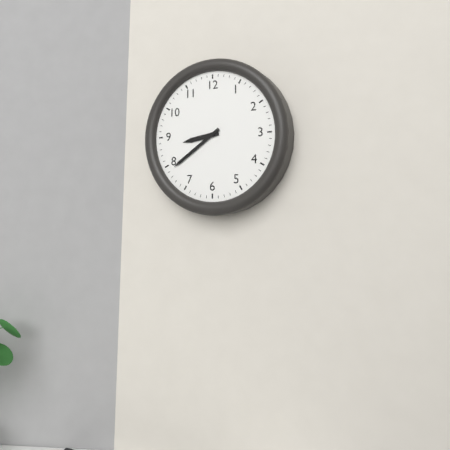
8h39
